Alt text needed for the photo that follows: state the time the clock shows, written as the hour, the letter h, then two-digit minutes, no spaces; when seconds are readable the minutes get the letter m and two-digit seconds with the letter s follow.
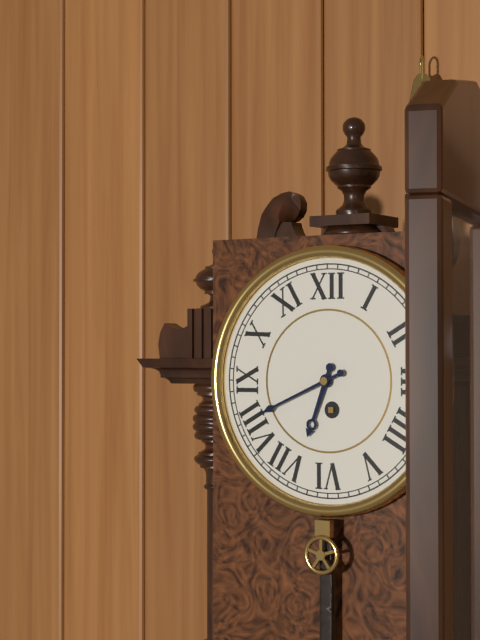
6h41
